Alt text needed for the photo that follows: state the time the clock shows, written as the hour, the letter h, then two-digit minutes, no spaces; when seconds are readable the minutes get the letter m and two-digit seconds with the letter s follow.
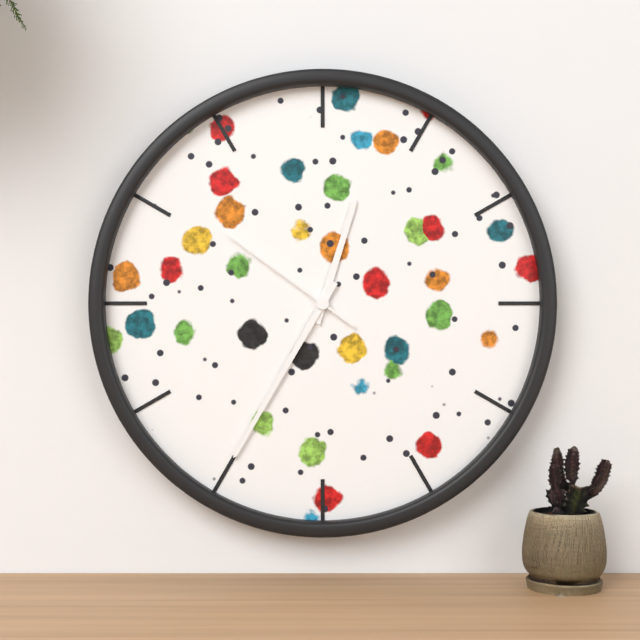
12h35m51s
